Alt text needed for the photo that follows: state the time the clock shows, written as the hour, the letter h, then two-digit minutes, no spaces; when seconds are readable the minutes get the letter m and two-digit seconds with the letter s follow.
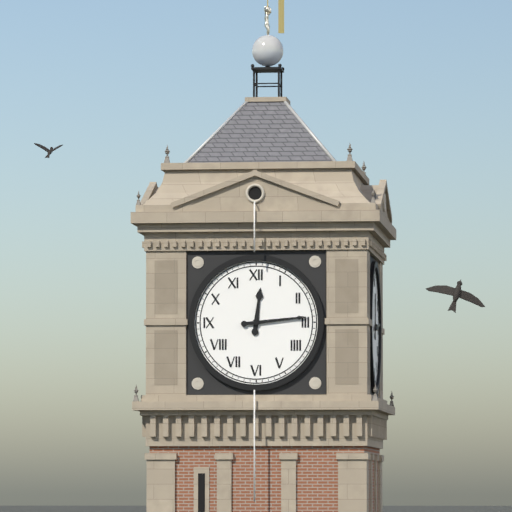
12h14
